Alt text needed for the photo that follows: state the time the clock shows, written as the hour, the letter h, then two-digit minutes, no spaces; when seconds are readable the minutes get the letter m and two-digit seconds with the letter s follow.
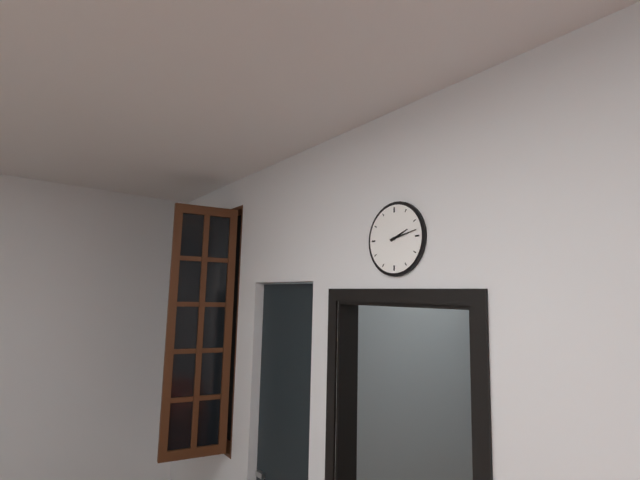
2h13
